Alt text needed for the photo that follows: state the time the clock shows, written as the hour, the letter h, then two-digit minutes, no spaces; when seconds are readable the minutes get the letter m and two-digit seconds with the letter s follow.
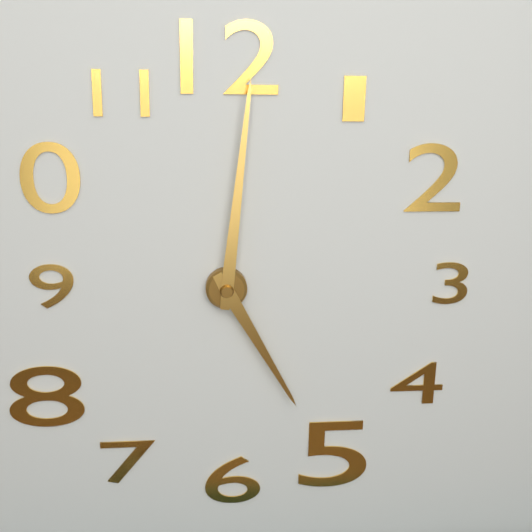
5h01
